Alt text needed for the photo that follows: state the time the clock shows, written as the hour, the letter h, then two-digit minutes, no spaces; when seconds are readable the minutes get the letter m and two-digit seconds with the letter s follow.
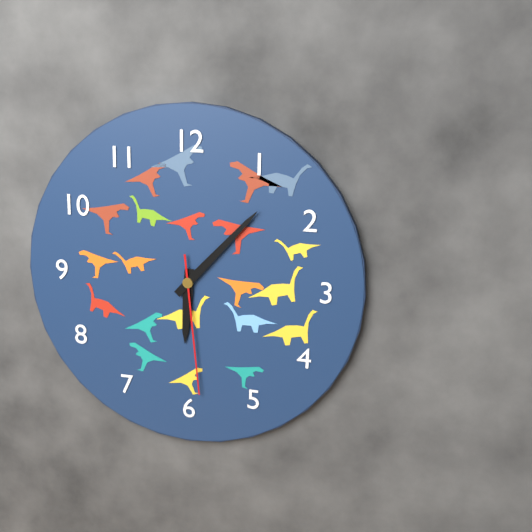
6h07m29s
